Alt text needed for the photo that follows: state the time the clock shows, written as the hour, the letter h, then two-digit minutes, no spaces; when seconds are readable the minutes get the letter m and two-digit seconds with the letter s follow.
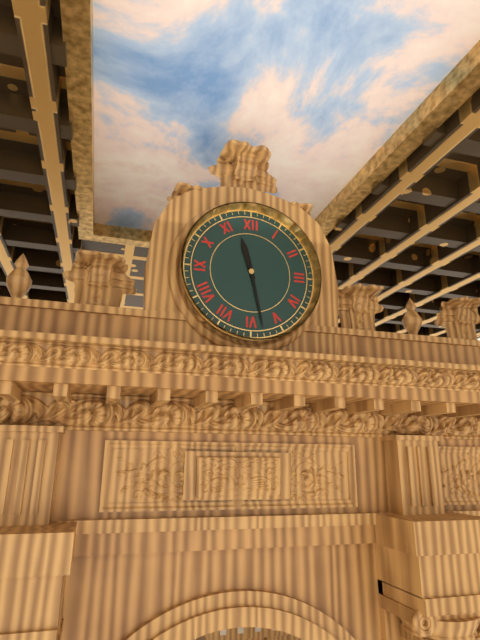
11h28
